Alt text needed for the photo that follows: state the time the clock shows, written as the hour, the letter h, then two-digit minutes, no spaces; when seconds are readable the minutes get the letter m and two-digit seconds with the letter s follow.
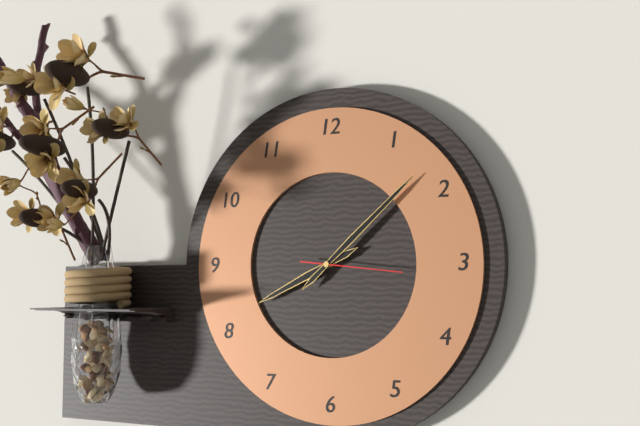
8h08m16s
